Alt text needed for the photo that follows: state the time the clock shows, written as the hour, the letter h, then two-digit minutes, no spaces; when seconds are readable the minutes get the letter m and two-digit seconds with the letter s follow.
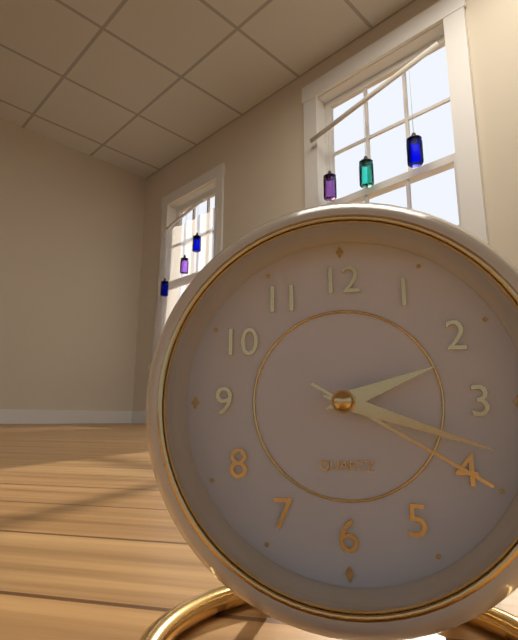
2h18m20s
